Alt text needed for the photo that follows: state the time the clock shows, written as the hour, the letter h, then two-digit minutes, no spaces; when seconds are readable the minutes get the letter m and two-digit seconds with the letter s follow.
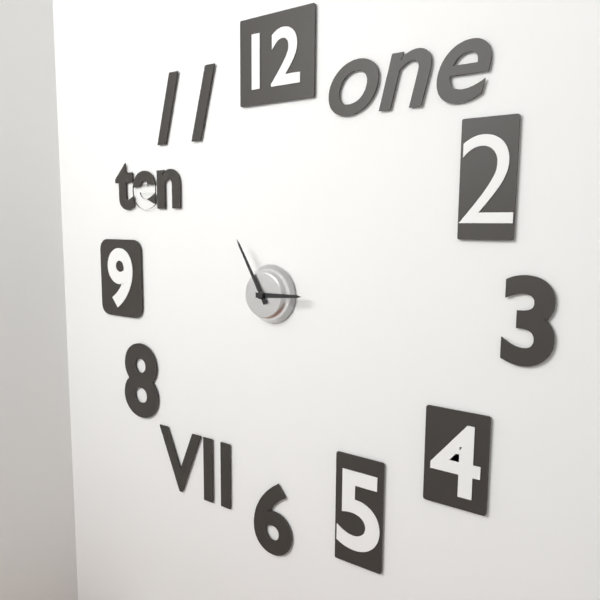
2h55
